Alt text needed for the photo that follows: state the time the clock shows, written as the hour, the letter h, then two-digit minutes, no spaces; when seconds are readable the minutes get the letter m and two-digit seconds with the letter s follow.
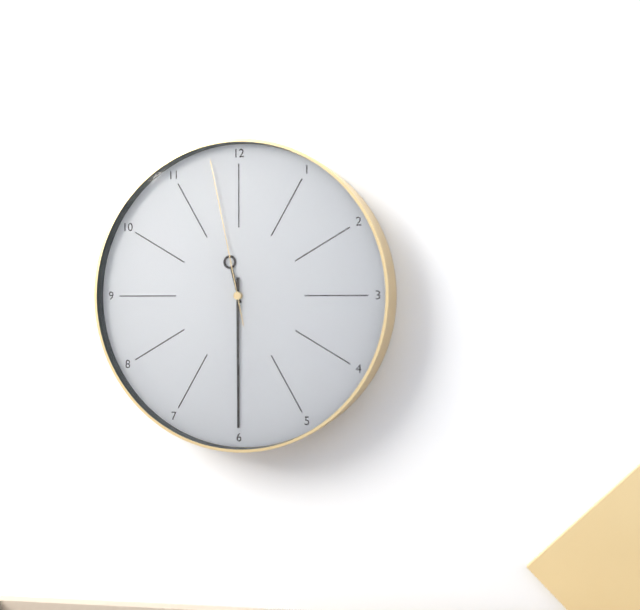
11h30m58s
